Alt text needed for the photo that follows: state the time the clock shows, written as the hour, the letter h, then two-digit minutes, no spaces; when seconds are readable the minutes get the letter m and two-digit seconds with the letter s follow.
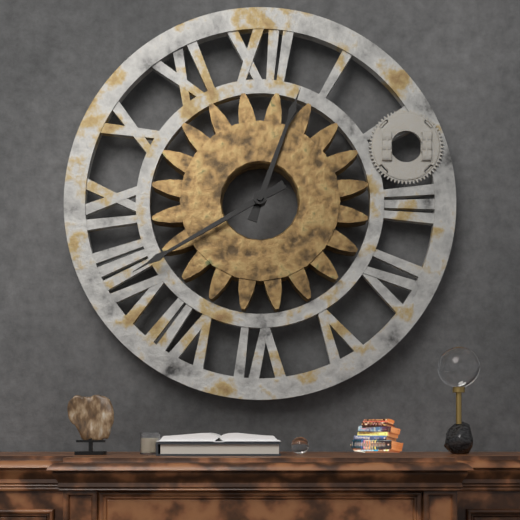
12h40
